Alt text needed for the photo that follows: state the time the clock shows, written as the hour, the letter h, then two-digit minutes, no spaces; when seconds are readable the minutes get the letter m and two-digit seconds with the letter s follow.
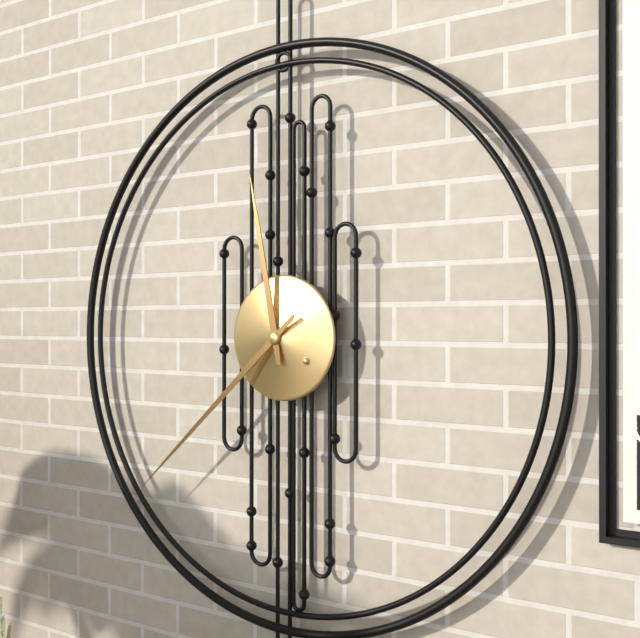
11h38
